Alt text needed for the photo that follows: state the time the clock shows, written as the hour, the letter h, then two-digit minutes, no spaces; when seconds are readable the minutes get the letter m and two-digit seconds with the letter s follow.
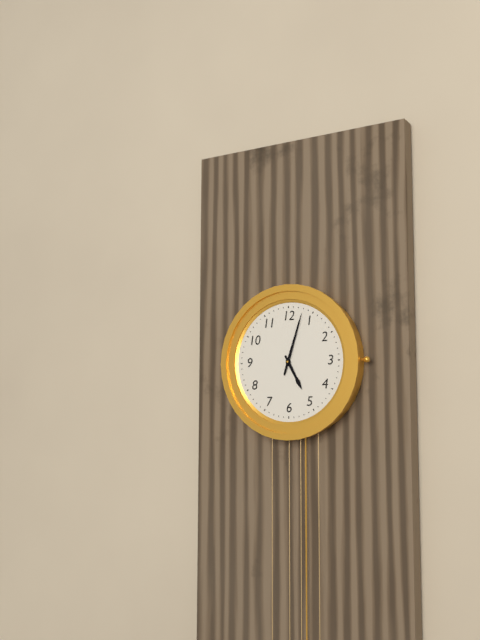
5h03
